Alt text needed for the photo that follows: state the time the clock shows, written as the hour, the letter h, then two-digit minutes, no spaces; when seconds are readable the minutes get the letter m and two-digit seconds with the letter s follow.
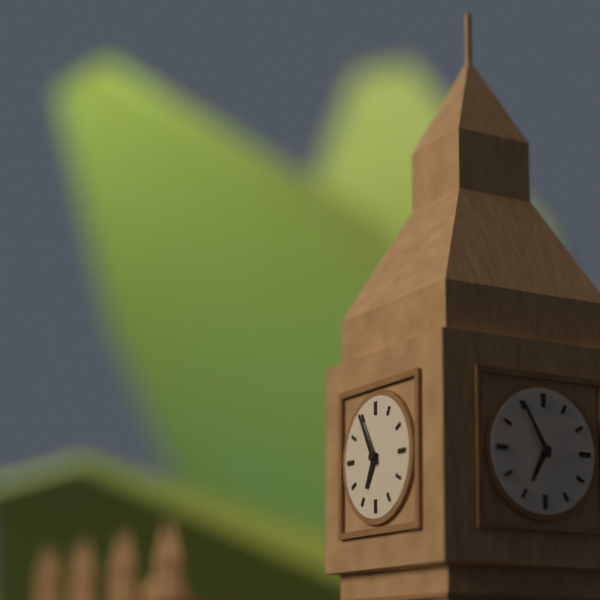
6h55
